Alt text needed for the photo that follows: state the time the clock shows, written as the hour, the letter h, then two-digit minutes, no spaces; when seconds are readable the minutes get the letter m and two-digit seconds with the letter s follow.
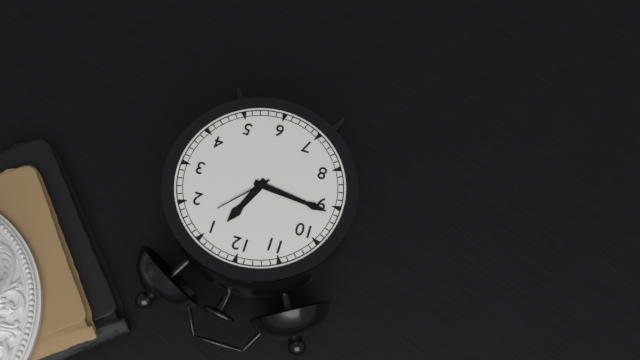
12h46m07s
